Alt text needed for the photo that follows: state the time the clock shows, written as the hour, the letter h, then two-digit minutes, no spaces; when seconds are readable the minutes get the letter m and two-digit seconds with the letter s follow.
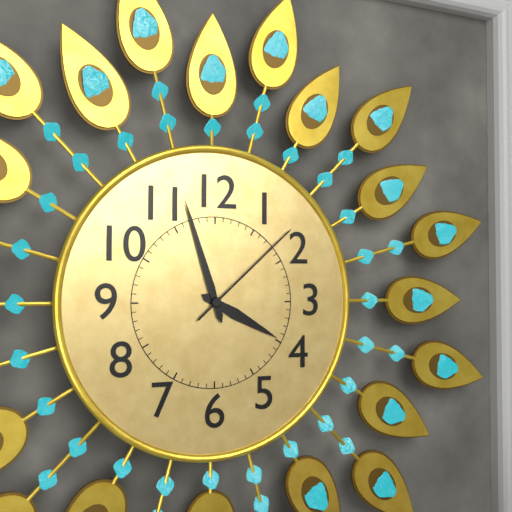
3h57m08s
